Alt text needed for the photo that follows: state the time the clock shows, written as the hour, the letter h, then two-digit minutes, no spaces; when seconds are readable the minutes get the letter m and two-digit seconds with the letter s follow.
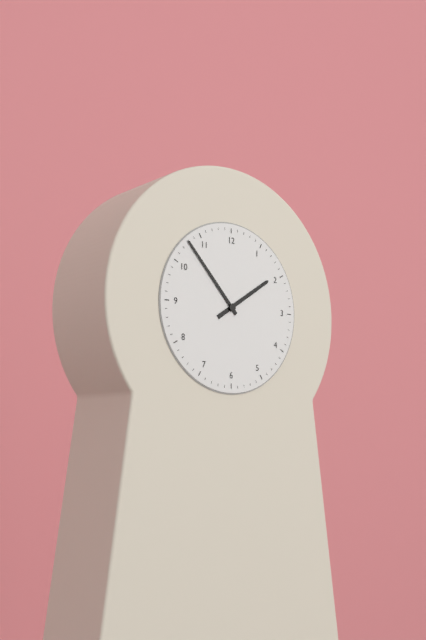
1h53
